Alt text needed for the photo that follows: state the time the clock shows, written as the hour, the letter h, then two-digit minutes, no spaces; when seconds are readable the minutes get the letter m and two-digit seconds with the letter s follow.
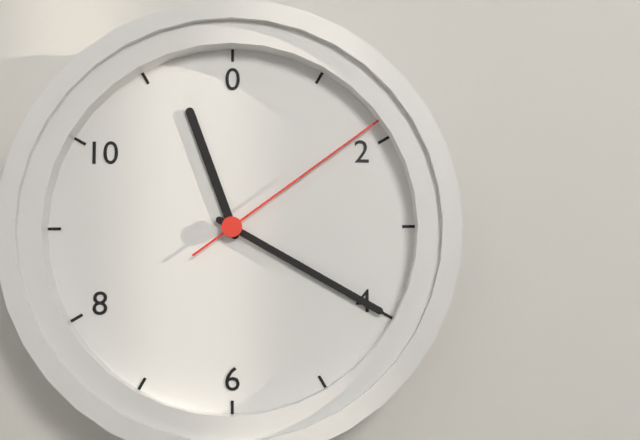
11h20m09s
